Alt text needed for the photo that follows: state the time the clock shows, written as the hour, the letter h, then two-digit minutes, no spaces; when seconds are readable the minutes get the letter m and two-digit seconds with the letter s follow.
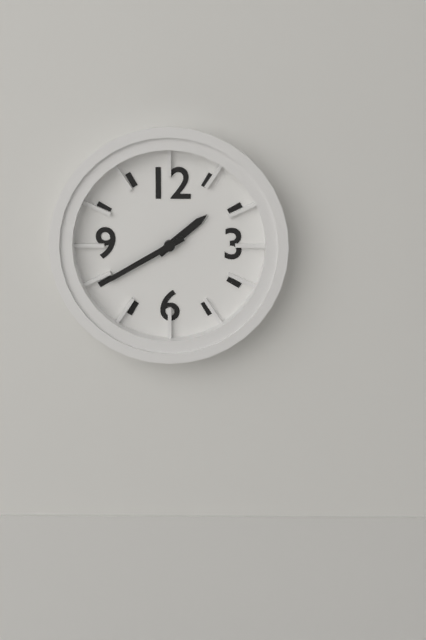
1h40
